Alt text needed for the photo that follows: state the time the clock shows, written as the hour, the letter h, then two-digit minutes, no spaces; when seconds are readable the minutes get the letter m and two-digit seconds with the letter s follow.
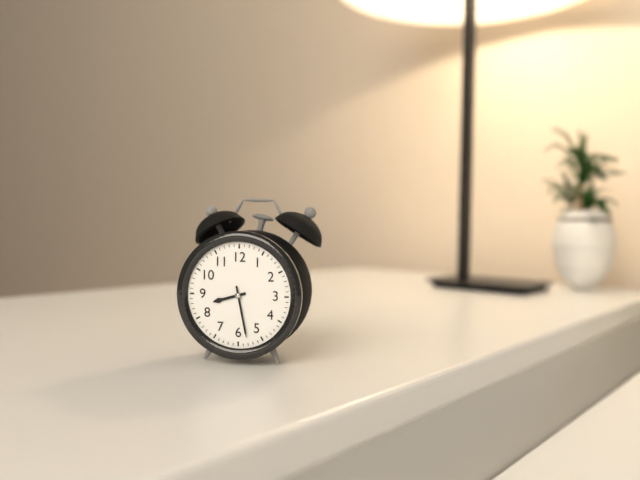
8h28
